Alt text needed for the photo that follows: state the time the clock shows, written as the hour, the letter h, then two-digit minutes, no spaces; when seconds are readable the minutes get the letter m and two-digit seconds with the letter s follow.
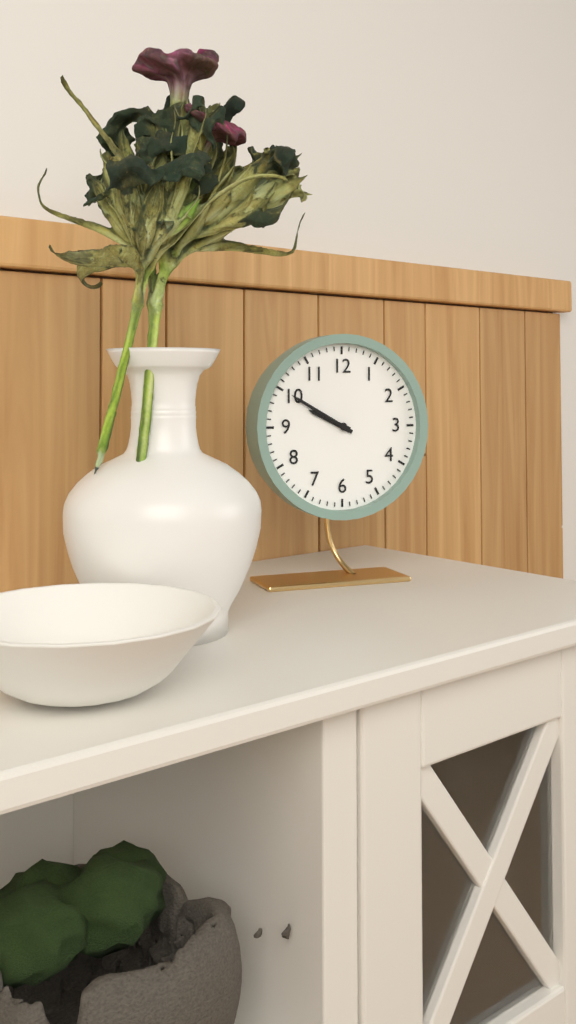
9h50
